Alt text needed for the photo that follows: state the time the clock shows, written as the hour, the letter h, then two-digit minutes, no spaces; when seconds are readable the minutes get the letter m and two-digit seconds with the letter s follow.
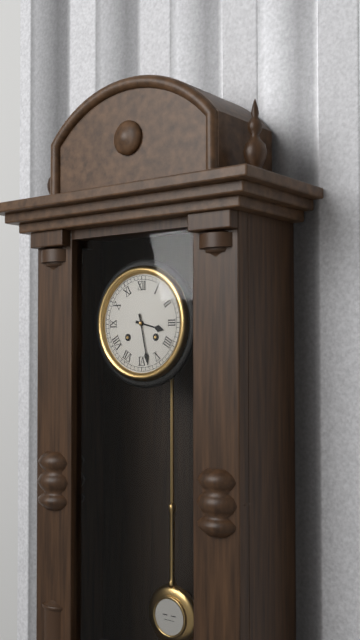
3h28
